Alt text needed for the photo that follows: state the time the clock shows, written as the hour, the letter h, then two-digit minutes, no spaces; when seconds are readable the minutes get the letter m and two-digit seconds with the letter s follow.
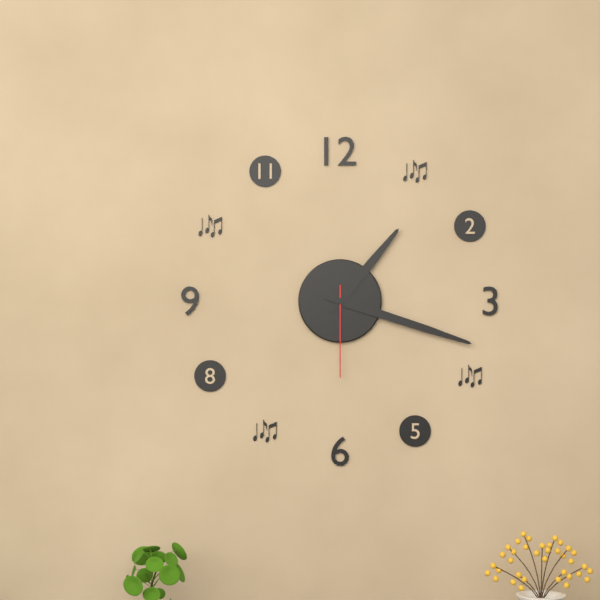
1h18m30s
